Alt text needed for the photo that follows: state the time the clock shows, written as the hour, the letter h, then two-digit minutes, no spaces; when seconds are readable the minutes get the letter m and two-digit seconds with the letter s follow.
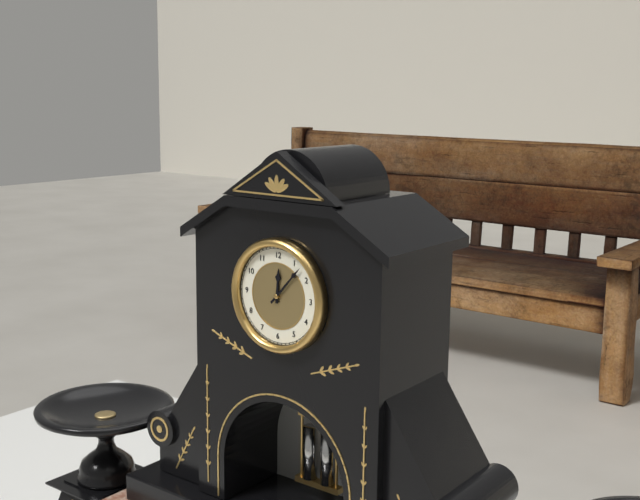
12h07
